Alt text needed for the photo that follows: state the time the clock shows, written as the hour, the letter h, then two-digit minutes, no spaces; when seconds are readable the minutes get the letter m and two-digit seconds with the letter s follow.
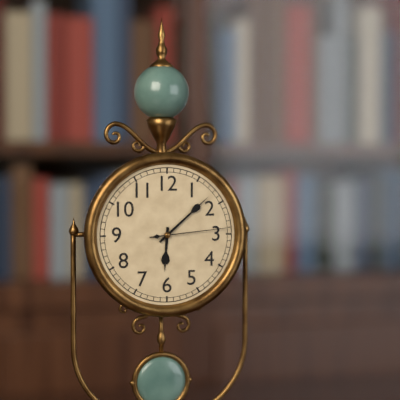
6h08m14s
